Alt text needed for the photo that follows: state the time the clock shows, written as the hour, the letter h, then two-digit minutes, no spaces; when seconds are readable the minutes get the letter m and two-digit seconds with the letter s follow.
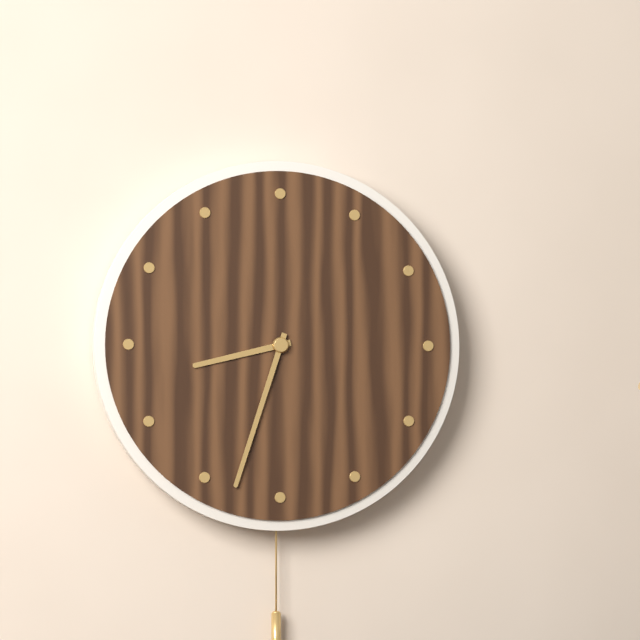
8h33
